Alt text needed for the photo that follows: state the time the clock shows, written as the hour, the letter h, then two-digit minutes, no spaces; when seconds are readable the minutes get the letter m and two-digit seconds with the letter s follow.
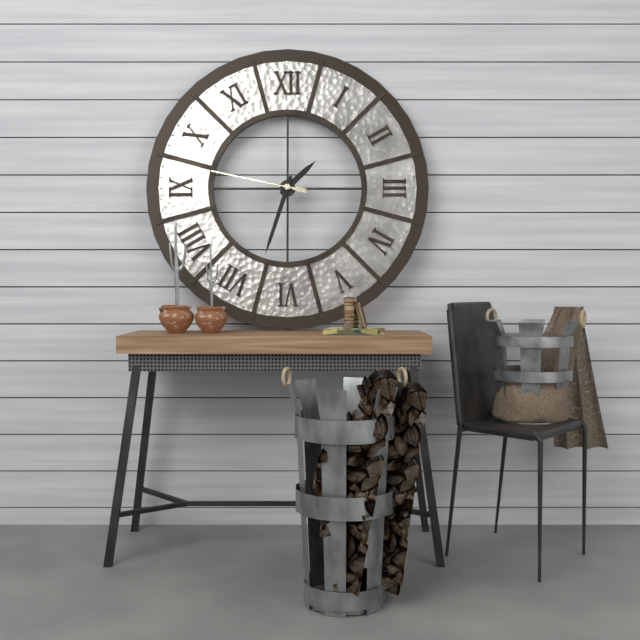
1h33m47s
